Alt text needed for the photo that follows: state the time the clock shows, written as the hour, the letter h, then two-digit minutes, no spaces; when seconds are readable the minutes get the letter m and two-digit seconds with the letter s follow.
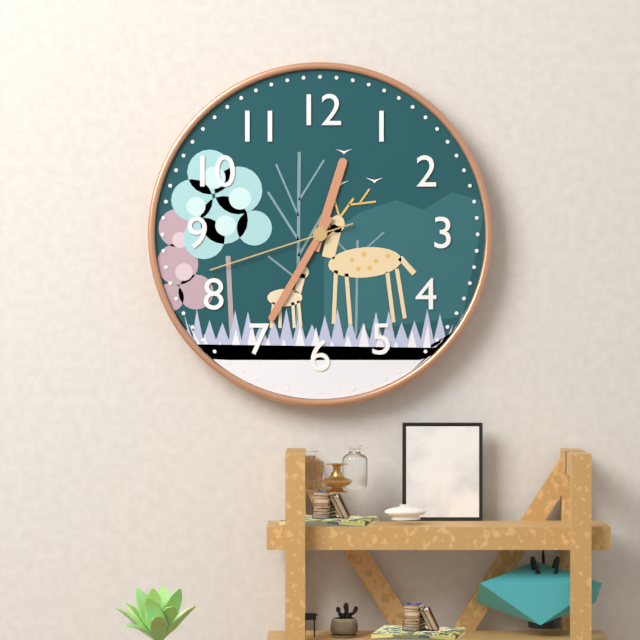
12h35m42s
